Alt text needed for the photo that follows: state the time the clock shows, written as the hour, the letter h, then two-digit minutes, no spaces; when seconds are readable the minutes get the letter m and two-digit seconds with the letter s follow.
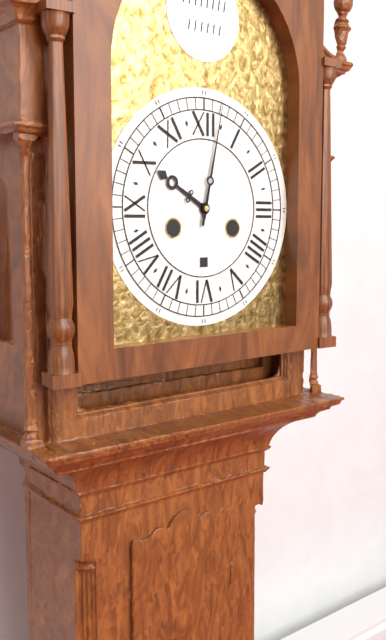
10h02
